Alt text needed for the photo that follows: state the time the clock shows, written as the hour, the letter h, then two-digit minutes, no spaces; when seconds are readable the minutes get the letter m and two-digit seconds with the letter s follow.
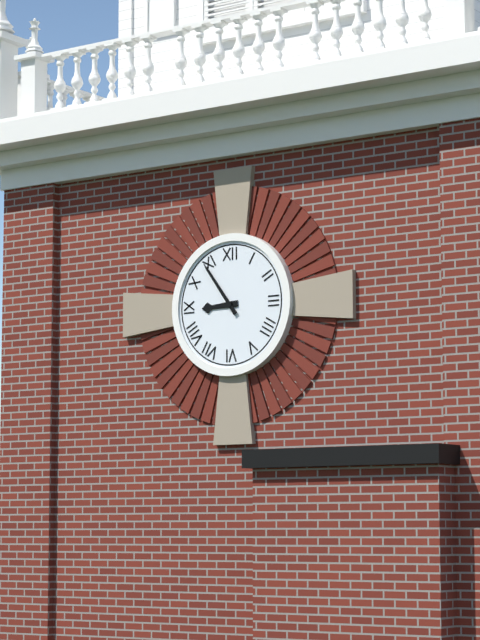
8h54
